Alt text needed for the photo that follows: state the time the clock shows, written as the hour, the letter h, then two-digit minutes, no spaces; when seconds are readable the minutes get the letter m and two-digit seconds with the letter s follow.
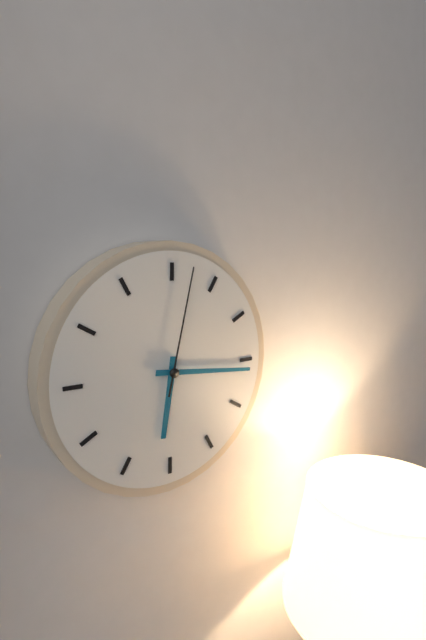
6h16m02s
